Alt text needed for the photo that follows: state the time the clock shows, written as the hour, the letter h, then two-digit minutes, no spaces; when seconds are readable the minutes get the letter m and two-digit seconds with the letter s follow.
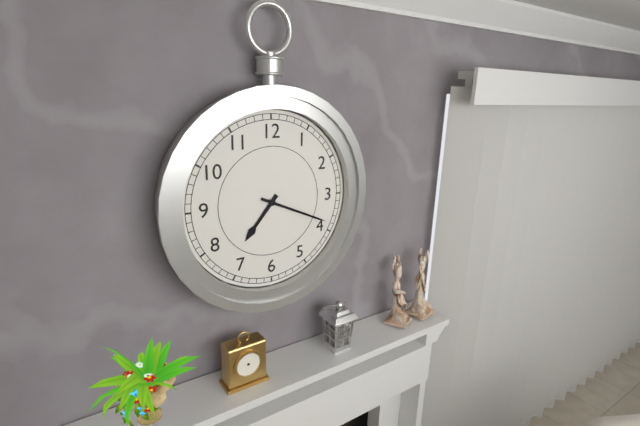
7h19
